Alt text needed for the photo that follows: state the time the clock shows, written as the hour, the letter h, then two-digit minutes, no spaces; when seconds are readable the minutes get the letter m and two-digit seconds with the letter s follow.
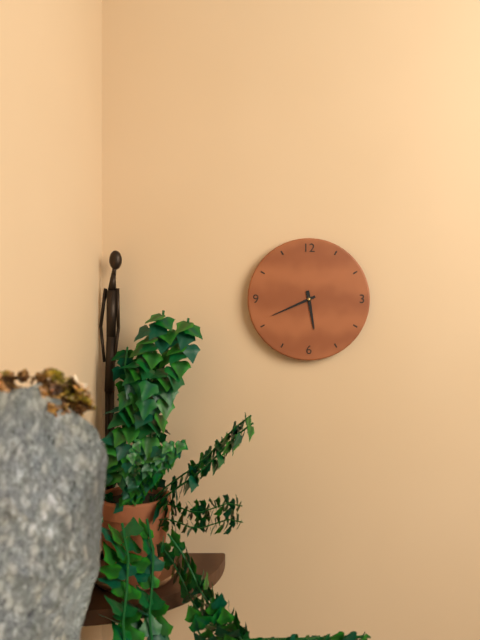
5h41
